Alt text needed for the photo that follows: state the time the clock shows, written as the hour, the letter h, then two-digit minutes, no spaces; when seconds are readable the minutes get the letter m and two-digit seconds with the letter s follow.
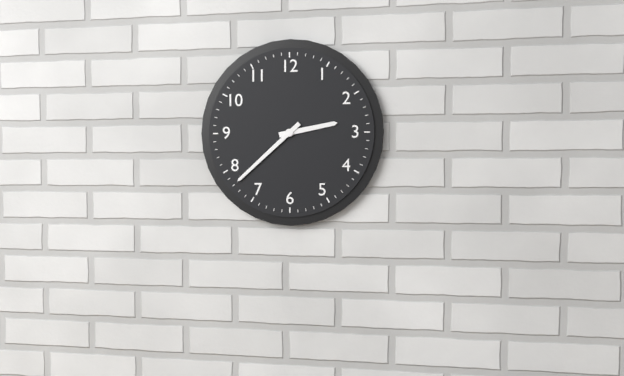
2h38
